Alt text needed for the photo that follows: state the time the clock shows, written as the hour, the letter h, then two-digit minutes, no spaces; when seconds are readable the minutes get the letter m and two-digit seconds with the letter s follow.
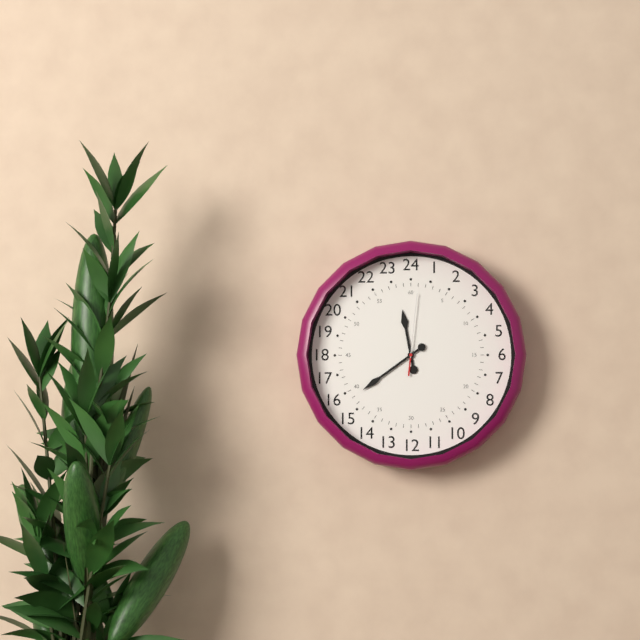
11h39m01s
